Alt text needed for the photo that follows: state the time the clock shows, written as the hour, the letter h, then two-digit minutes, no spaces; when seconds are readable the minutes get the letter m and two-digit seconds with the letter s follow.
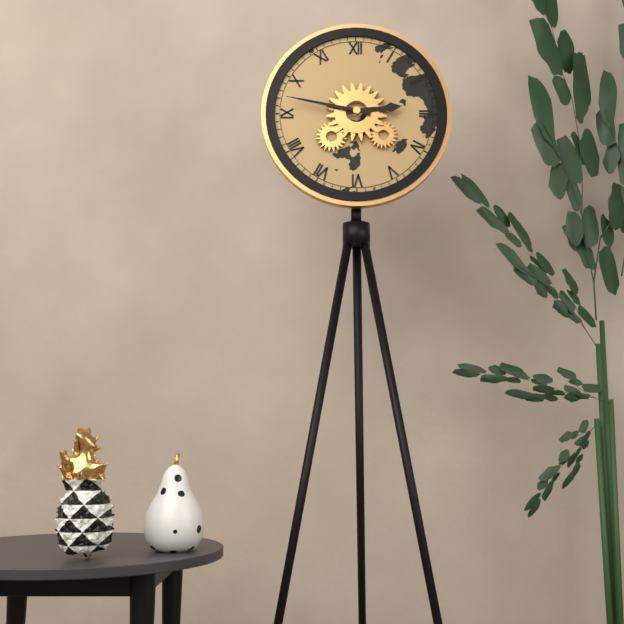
2h47
